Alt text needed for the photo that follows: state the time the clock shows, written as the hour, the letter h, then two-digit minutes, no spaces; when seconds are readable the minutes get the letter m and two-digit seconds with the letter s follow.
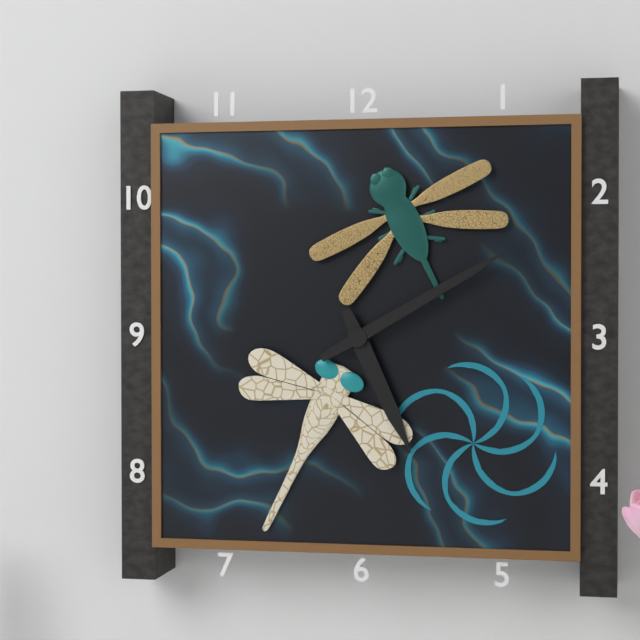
5h10
